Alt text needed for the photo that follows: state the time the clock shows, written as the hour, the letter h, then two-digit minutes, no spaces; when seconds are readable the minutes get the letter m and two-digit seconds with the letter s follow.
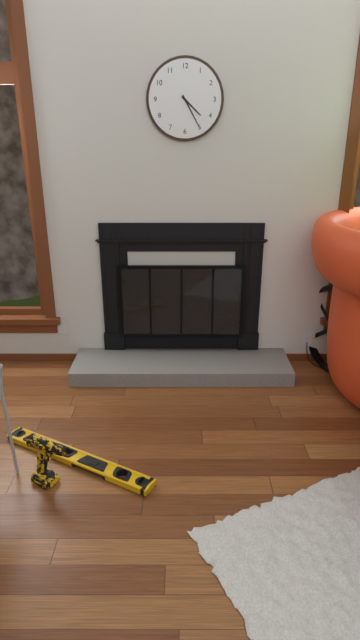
4h25
